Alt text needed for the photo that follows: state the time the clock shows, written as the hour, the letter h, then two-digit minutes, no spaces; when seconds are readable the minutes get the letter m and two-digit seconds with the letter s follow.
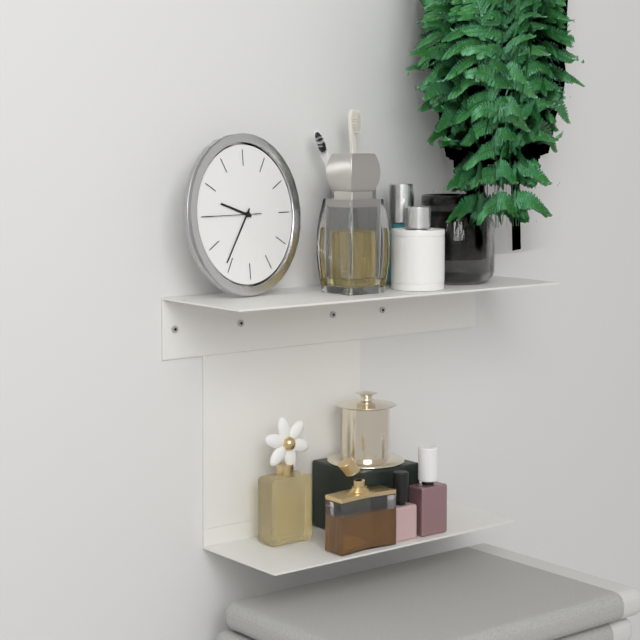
9h36m45s
